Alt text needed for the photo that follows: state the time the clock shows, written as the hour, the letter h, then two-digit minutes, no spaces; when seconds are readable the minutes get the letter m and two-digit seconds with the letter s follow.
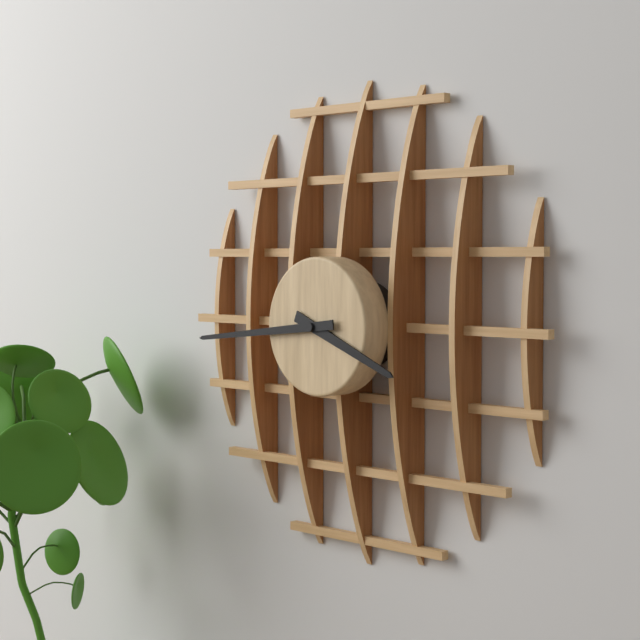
3h44
